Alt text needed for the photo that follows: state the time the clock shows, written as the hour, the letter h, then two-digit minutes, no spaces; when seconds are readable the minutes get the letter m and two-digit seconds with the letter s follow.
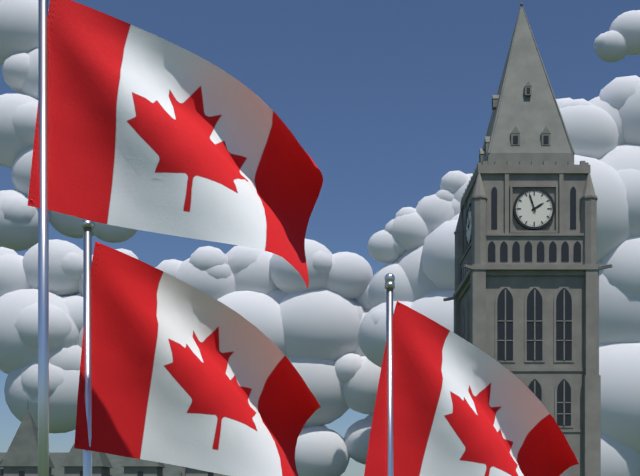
1h57
